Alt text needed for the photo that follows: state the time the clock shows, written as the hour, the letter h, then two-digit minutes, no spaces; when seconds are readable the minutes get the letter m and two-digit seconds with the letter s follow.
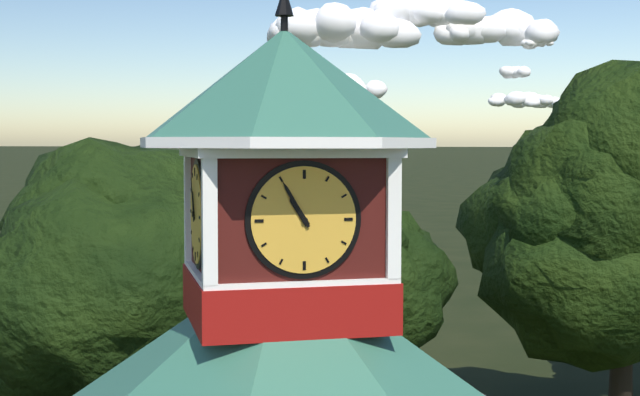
10h55
